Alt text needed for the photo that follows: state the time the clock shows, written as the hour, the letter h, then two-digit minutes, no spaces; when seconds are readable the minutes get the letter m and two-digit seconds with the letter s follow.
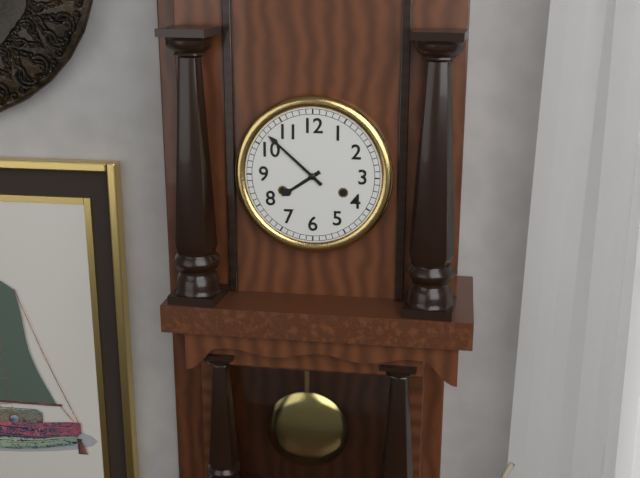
7h52
